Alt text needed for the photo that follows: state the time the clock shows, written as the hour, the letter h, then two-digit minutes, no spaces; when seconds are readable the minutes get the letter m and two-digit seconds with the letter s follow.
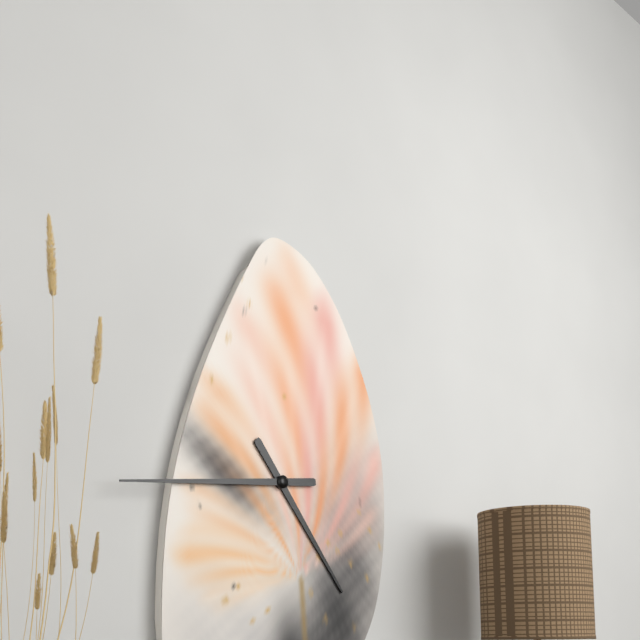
4h44
